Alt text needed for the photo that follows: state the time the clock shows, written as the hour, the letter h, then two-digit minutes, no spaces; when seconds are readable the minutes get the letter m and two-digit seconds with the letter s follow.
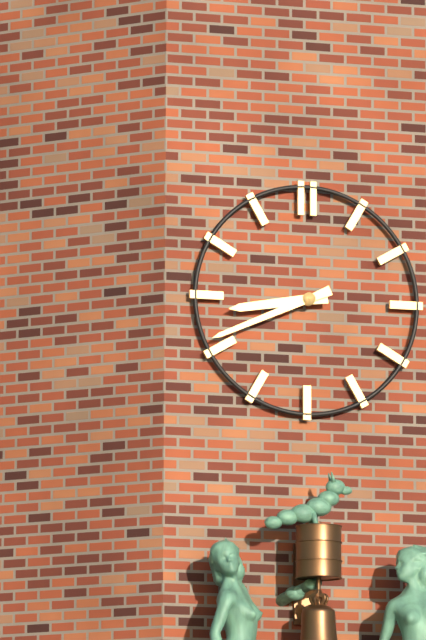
8h41
